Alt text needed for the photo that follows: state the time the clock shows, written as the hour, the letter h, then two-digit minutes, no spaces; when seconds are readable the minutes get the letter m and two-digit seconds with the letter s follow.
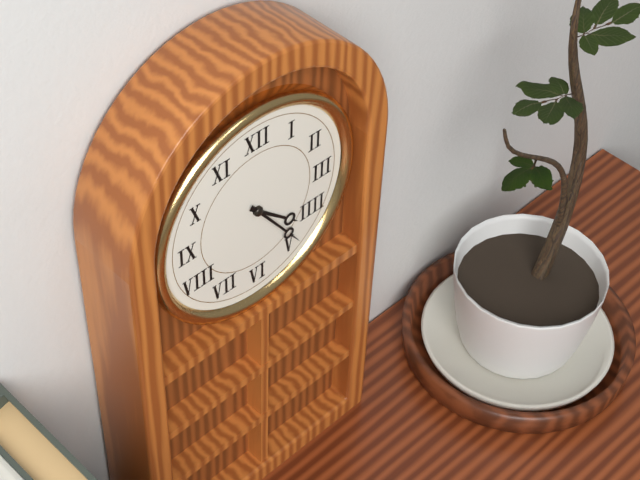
4h24
